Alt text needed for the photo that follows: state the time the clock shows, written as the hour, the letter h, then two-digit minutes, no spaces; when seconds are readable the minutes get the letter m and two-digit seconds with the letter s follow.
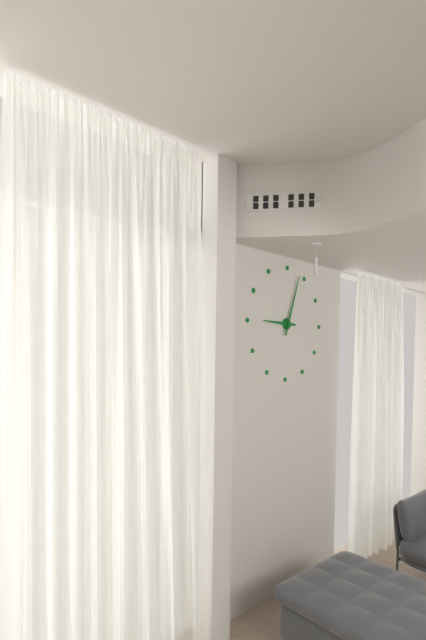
9h03
